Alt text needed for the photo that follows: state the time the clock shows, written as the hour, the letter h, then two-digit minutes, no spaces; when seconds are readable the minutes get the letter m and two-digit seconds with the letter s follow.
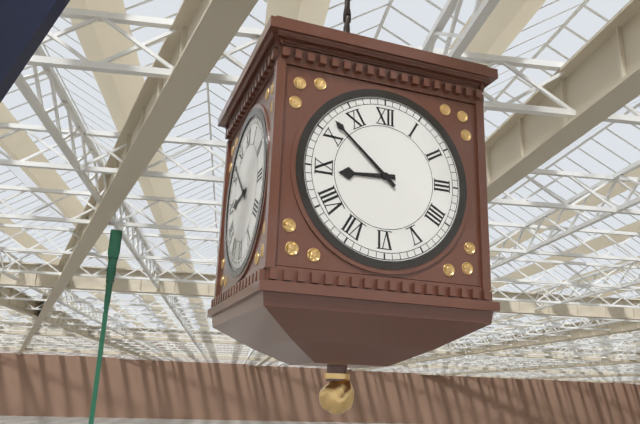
8h52
